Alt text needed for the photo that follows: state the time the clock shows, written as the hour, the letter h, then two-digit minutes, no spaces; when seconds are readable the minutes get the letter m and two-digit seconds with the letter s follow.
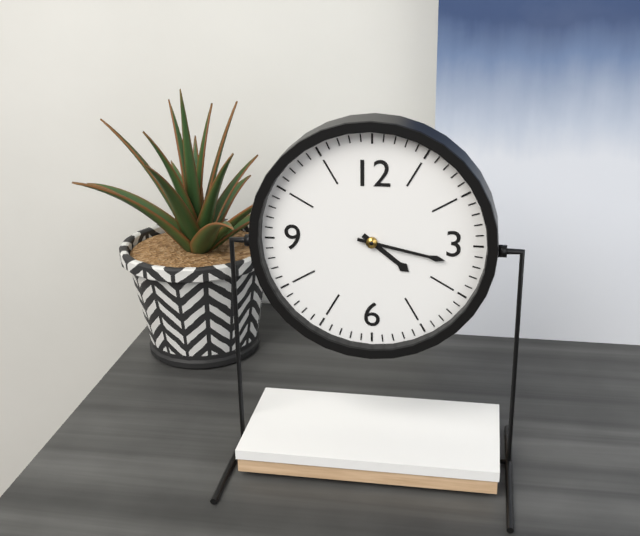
4h17
